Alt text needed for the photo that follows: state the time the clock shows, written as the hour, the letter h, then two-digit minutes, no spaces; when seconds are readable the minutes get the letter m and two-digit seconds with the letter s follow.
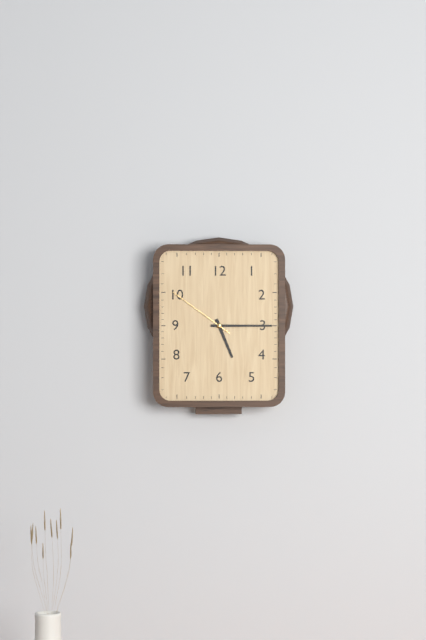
5h15m51s
